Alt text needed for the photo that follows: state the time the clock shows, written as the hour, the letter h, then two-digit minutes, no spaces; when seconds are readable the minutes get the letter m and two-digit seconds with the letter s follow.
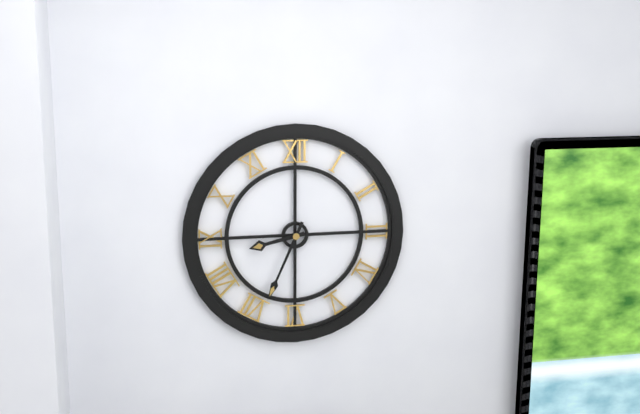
8h34
